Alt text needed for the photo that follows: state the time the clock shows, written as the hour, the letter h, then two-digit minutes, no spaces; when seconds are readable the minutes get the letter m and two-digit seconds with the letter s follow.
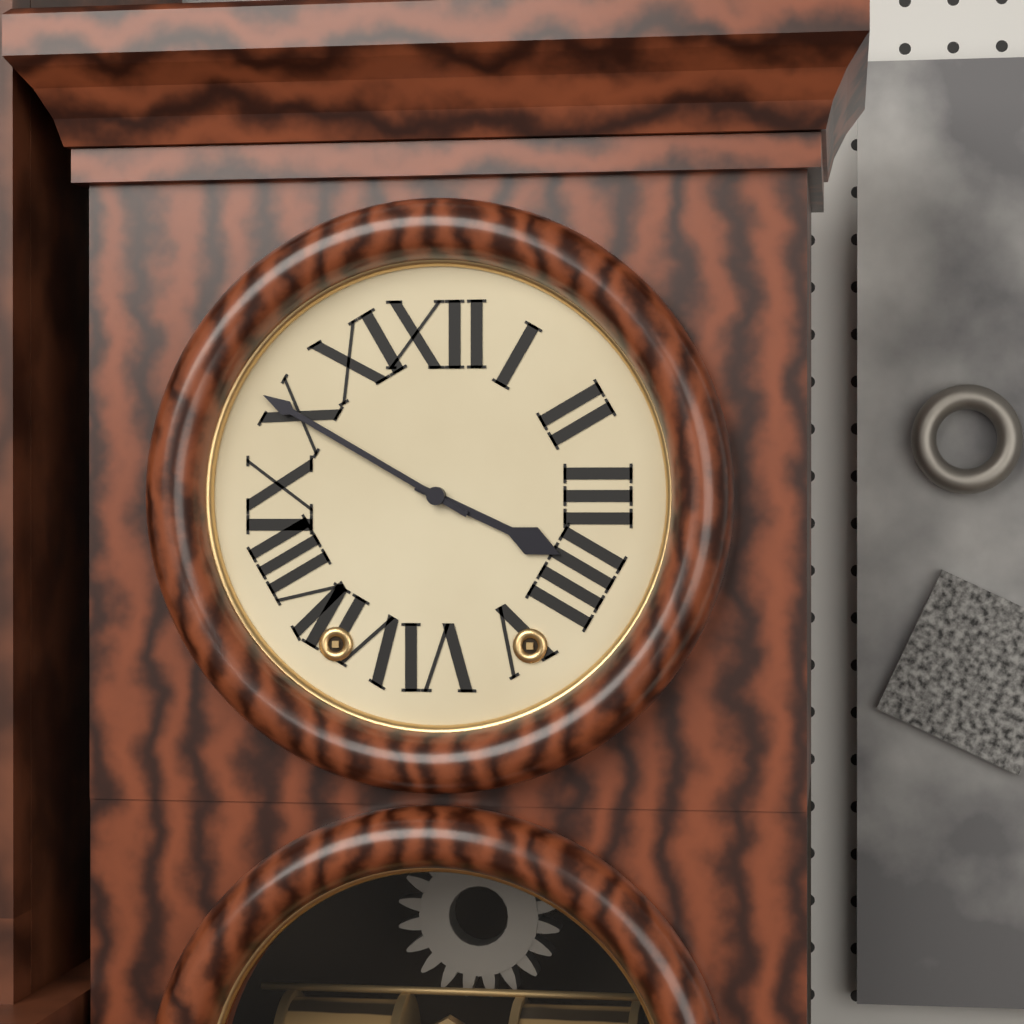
3h50
